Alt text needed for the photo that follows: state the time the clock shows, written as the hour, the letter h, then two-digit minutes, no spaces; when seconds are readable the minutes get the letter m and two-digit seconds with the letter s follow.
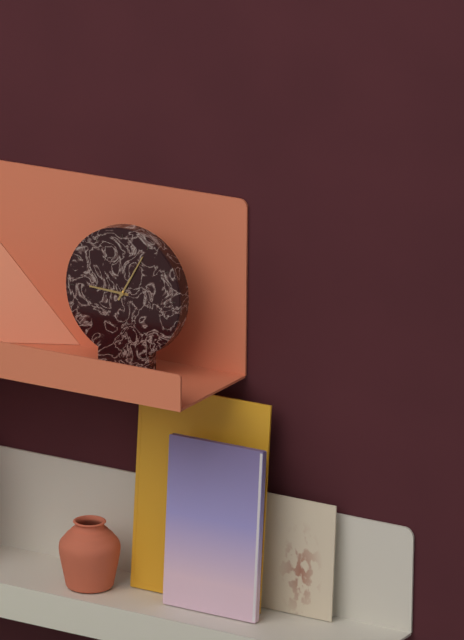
9h05
